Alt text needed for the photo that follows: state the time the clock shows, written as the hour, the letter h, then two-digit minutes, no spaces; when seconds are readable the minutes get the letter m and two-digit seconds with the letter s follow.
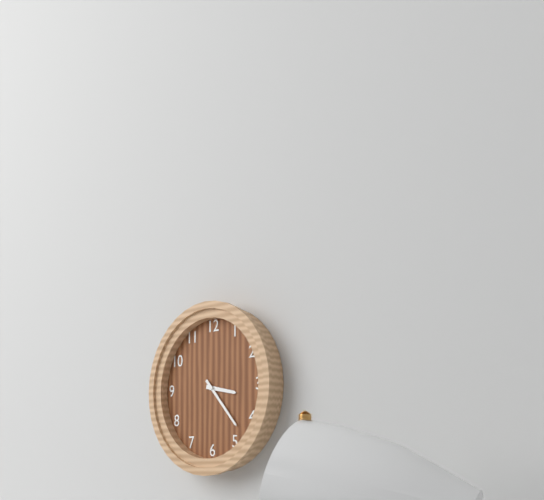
3h23
